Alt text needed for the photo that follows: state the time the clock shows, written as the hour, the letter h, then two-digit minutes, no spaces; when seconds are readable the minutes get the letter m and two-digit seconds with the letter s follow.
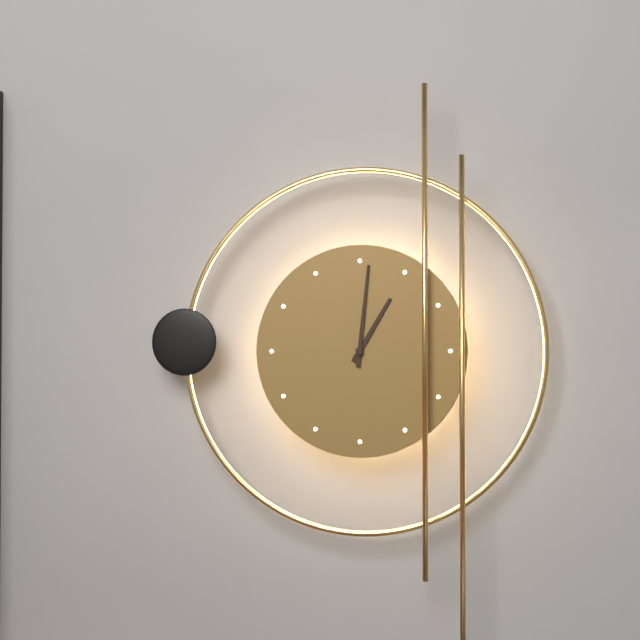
1h01
